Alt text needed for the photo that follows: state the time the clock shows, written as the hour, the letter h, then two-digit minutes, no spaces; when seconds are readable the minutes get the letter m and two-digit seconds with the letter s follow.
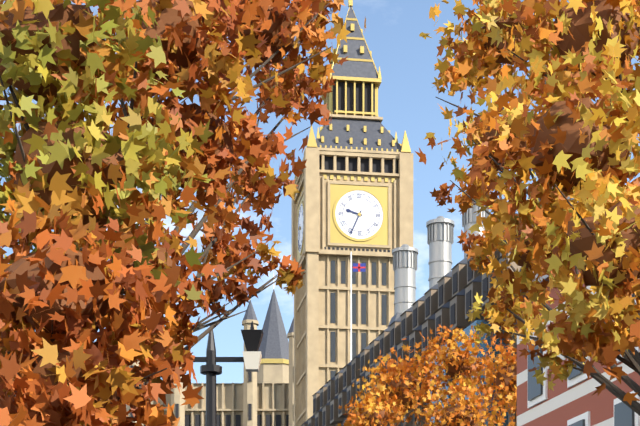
9h34
